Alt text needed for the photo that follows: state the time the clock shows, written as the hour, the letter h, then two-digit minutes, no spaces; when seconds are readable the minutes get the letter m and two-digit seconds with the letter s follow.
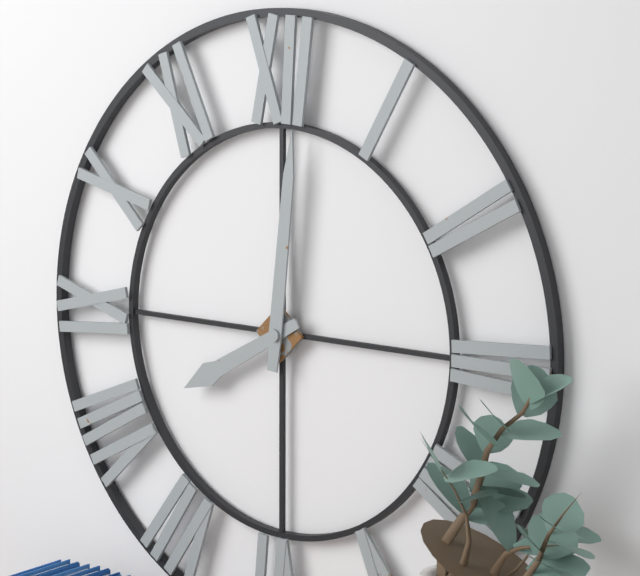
8h01
